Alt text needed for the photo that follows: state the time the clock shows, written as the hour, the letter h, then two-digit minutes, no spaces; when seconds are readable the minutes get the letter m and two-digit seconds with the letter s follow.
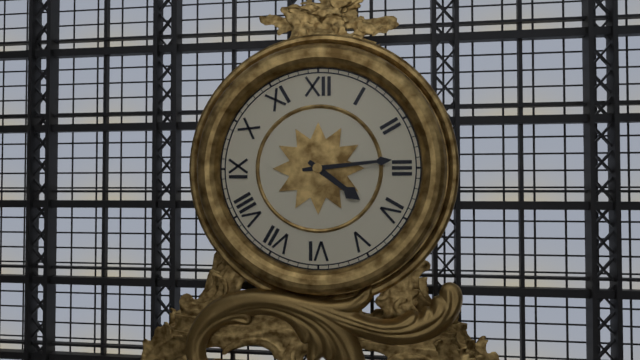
4h14
